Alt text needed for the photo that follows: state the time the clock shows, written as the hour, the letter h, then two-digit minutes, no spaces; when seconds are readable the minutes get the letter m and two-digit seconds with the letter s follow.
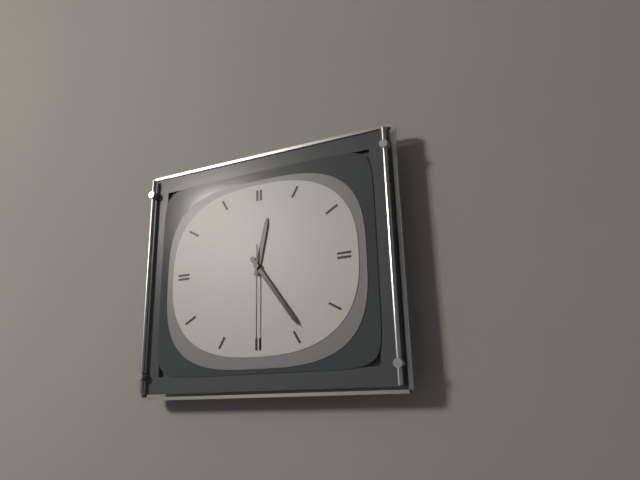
12h24m30s
